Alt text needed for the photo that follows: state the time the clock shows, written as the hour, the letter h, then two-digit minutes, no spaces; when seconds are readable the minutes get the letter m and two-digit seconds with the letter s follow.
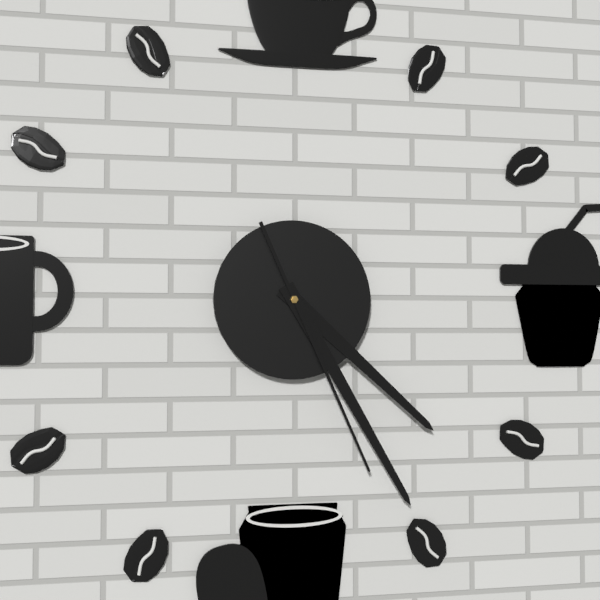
4h25m26s
